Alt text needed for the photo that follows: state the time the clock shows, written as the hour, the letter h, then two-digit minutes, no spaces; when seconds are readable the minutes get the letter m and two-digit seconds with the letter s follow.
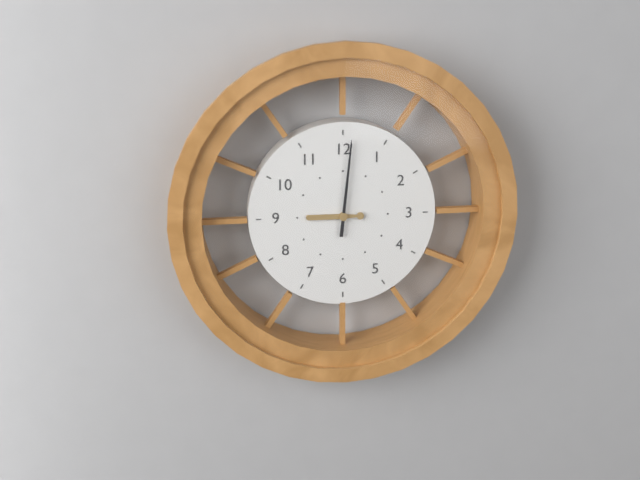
9h01
